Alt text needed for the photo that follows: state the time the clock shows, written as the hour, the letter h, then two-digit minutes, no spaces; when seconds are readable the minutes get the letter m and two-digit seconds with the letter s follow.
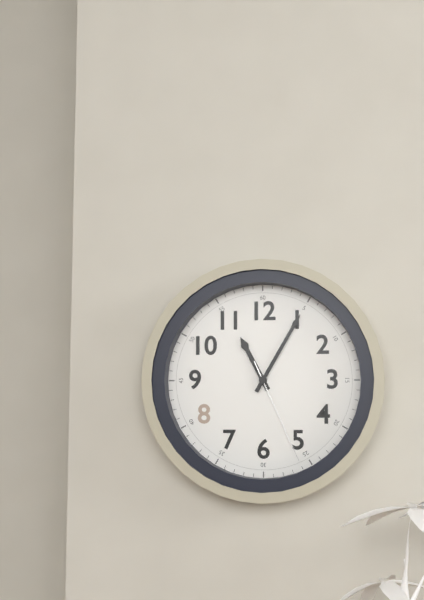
11h05m26s
